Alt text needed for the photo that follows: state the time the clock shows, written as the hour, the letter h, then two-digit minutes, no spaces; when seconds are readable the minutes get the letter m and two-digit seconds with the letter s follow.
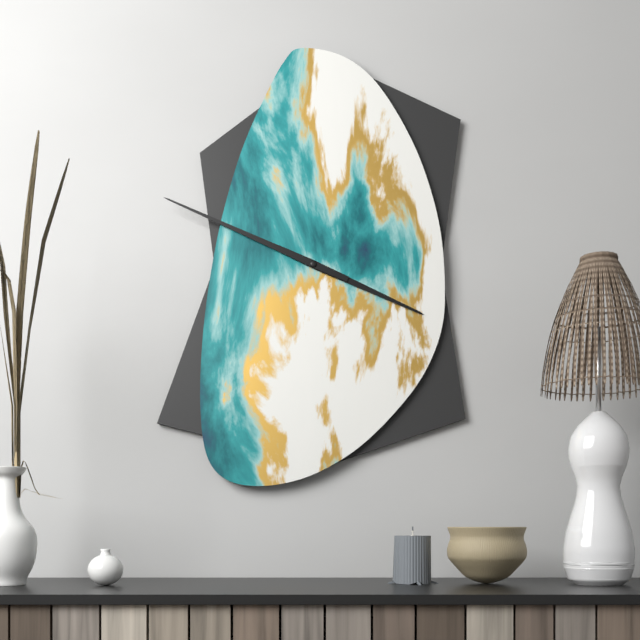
3h49
